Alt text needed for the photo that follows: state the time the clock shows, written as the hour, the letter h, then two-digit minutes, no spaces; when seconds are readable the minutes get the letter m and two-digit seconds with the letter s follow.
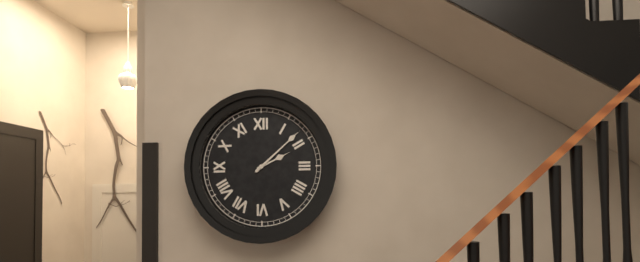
2h08
